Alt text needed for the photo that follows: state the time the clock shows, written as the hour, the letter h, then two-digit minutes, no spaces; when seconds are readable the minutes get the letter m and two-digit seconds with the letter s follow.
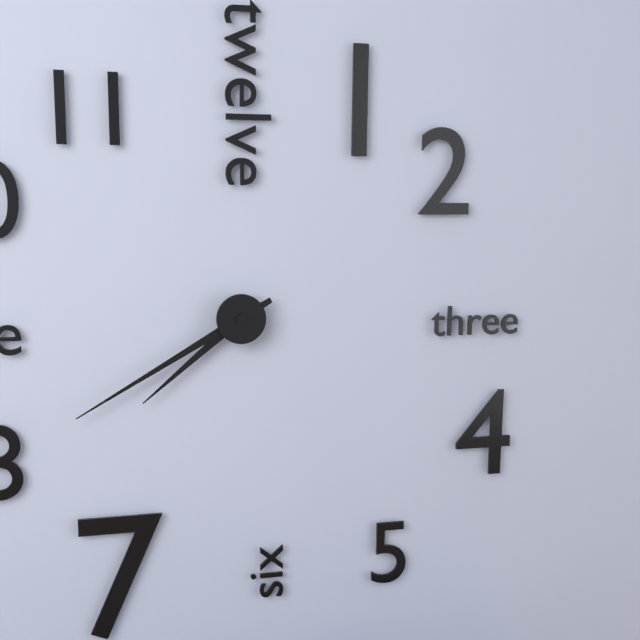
7h40
